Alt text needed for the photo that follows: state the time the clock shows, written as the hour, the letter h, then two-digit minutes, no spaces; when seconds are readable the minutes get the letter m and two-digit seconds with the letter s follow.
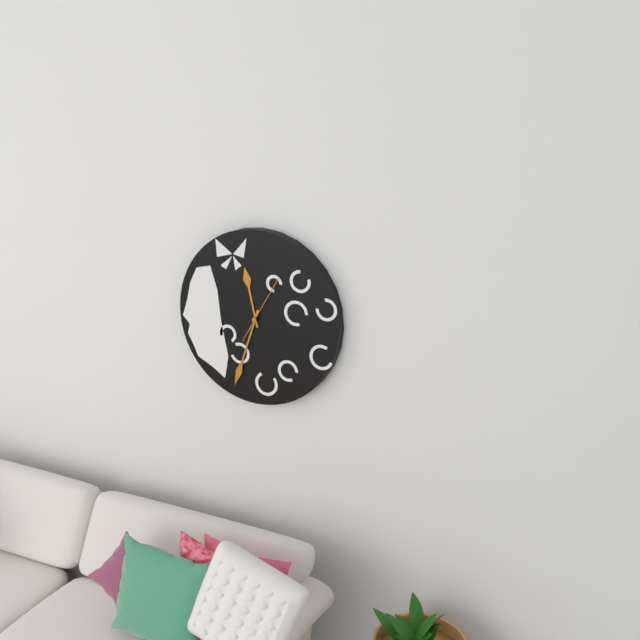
11h33m05s
